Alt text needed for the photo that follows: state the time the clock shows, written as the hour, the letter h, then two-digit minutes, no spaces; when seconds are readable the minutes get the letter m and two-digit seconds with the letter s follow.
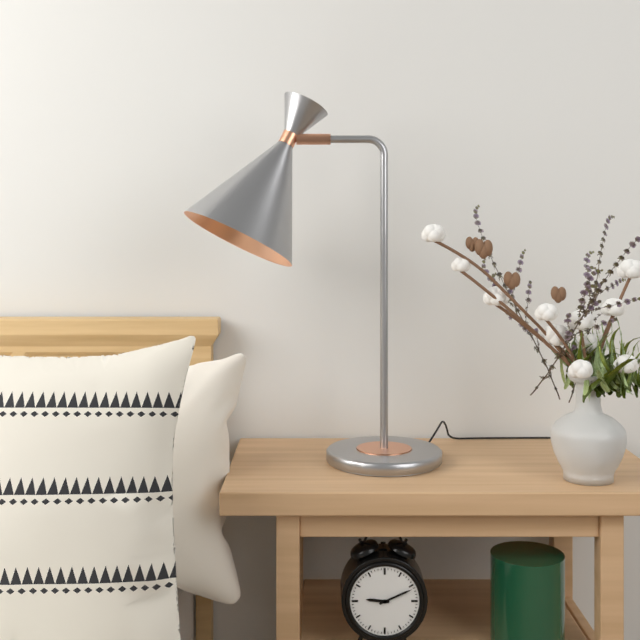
9h11
